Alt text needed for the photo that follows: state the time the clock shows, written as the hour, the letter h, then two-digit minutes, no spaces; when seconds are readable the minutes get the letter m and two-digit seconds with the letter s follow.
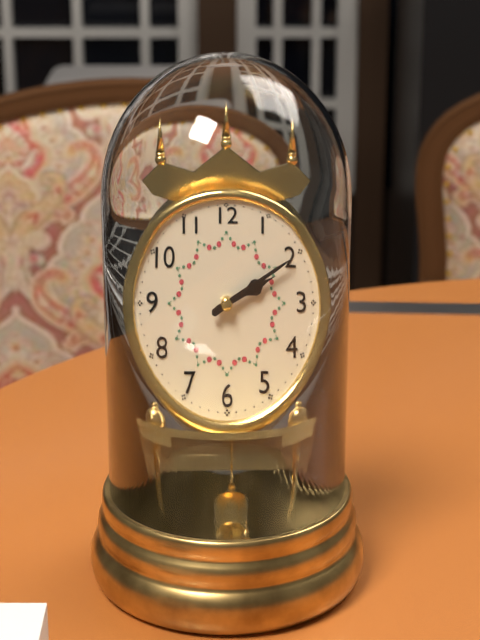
2h10
